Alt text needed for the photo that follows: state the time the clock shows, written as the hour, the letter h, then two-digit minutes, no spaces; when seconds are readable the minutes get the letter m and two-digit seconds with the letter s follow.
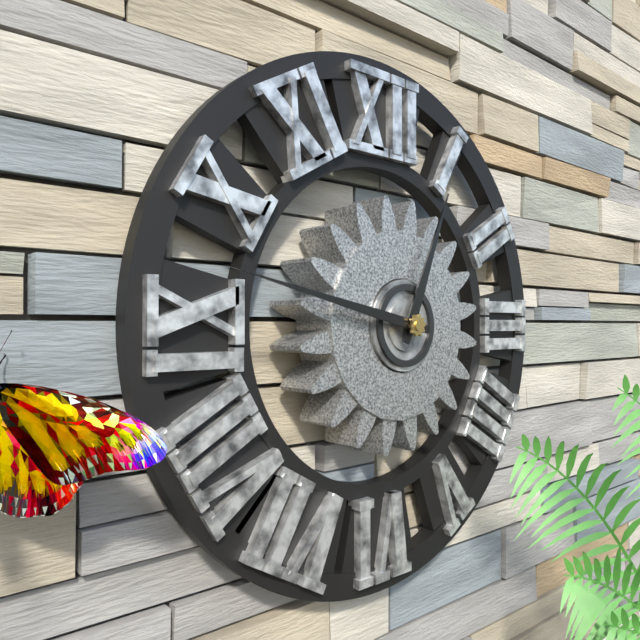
12h47
